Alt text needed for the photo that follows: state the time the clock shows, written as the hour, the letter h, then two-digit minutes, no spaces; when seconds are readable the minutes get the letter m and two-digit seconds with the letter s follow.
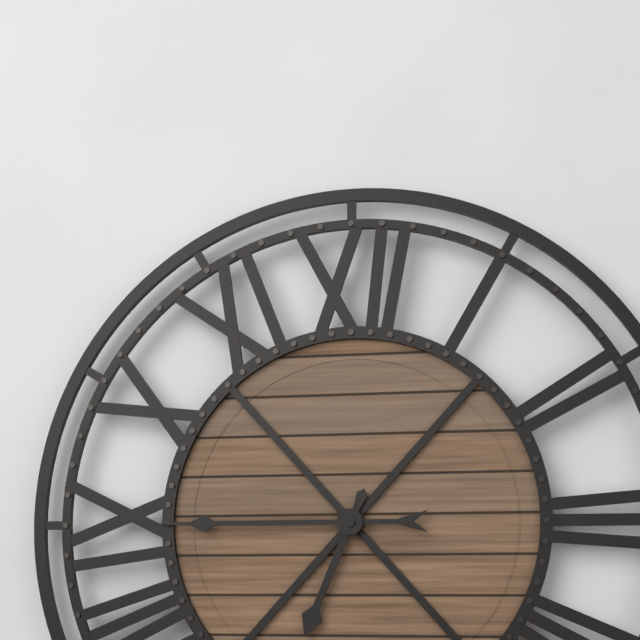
6h45
